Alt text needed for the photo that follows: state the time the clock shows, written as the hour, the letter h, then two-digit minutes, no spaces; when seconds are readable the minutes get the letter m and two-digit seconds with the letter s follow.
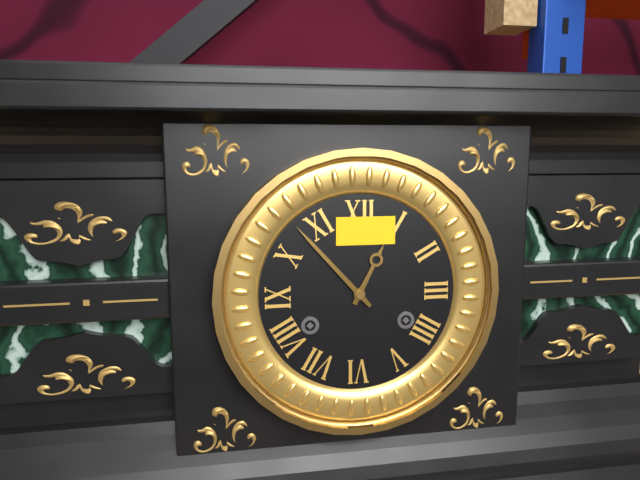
12h53
